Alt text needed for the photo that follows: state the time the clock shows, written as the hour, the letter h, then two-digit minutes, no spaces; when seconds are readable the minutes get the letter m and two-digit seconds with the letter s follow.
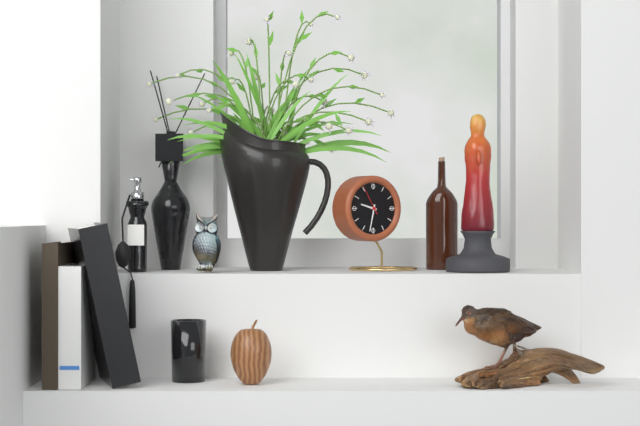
9h32
